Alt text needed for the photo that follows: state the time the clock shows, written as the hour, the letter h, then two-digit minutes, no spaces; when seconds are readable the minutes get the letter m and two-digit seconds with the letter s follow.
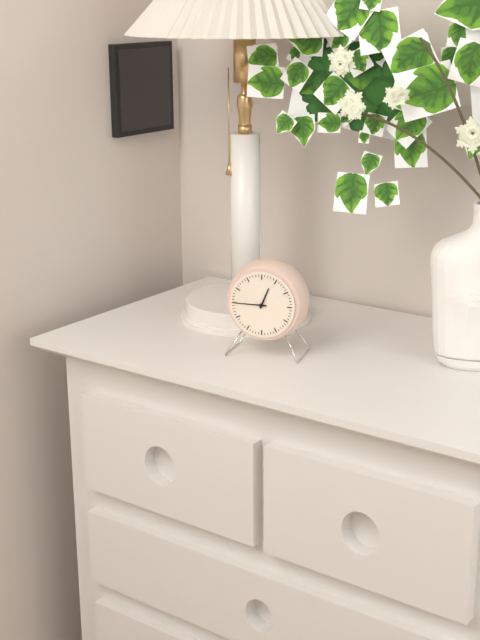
12h45
